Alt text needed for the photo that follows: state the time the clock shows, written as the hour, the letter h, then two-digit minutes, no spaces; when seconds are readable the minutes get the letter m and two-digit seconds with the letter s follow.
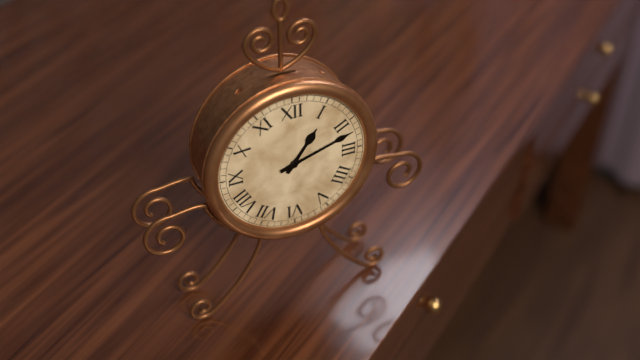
1h12
